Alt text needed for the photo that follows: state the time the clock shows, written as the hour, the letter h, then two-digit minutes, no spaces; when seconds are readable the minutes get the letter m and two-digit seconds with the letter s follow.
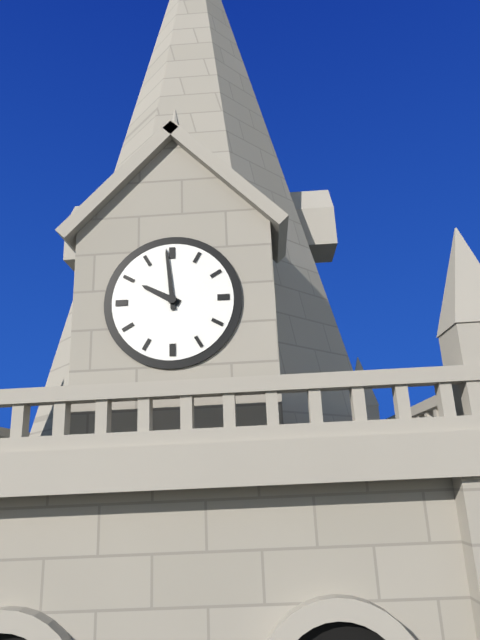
9h59
